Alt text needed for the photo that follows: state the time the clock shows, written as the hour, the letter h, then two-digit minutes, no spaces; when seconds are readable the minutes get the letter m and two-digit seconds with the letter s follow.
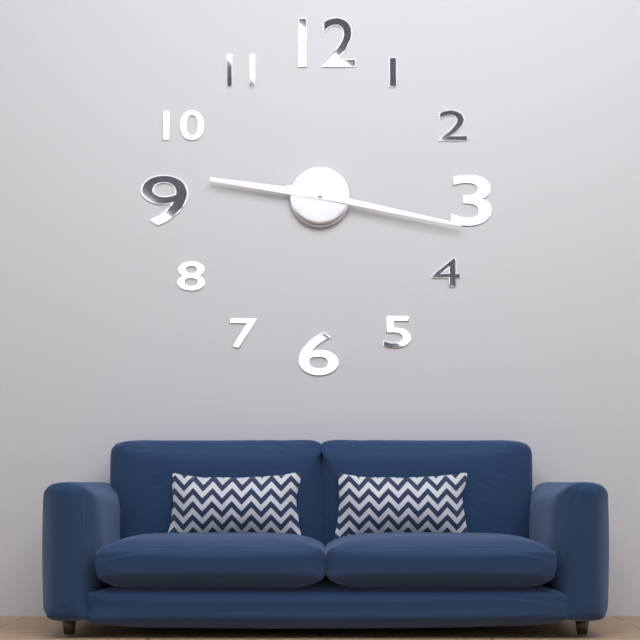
9h17
